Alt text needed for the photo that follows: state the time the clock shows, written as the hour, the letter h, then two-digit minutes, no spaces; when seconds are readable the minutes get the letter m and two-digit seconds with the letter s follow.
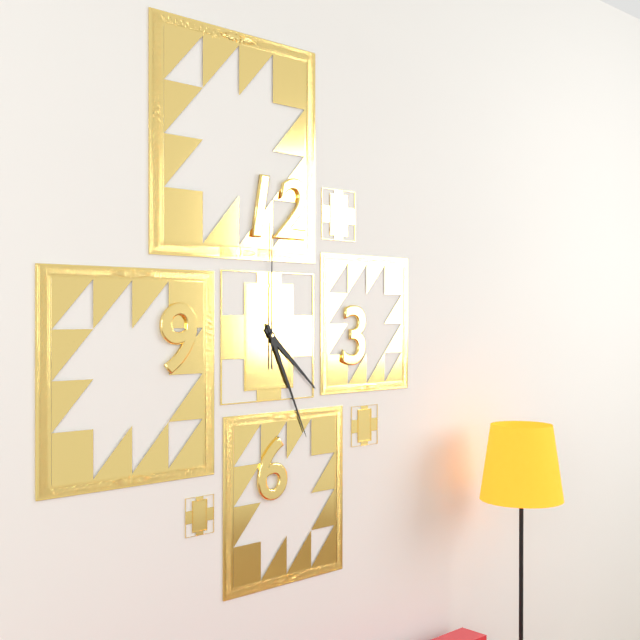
4h26m00s
